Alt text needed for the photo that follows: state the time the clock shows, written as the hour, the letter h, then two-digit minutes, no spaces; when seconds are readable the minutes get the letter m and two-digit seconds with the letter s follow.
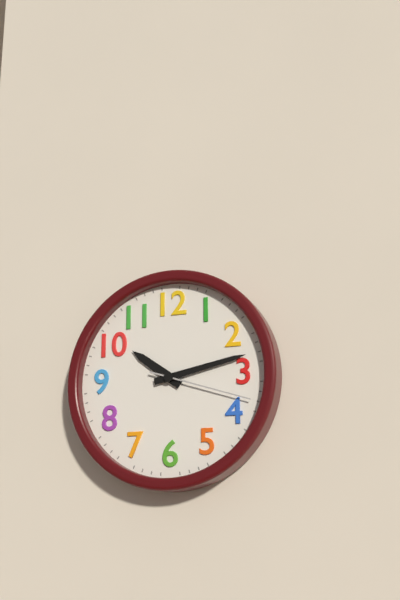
10h13m18s
